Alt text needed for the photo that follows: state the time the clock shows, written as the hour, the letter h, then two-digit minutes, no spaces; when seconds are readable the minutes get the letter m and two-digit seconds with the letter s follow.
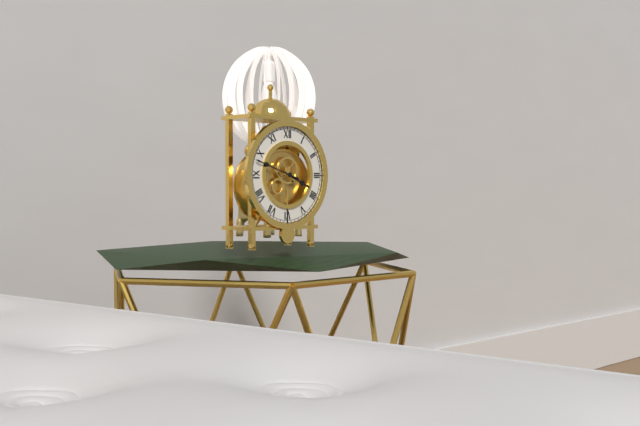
3h48
